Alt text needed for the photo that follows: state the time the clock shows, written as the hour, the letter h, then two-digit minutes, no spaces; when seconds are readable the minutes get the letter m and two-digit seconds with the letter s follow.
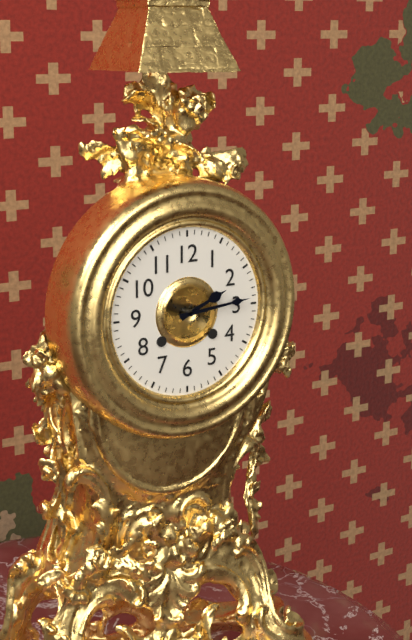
2h14
